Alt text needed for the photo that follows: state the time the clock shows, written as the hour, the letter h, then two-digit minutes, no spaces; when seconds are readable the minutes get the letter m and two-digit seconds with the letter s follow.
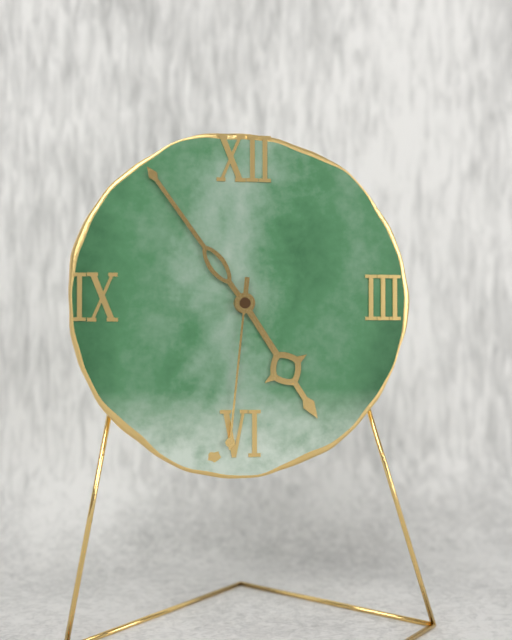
4h54m31s
